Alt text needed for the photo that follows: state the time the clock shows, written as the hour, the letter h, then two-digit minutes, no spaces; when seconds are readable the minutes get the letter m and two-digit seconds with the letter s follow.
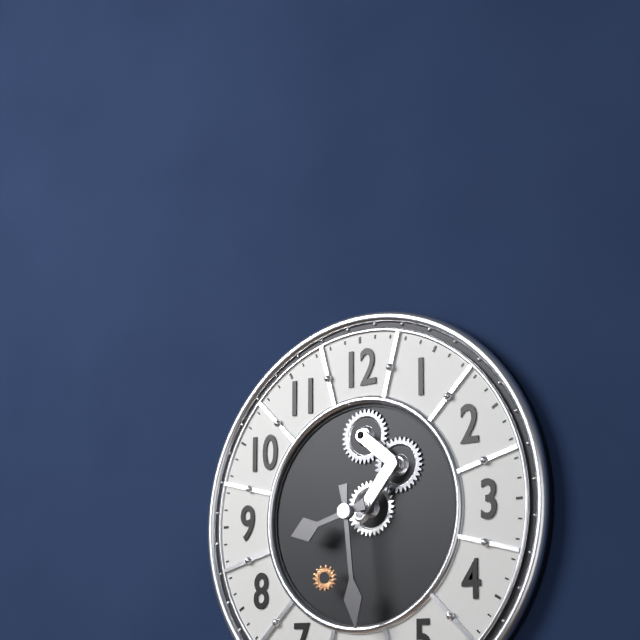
8h29
